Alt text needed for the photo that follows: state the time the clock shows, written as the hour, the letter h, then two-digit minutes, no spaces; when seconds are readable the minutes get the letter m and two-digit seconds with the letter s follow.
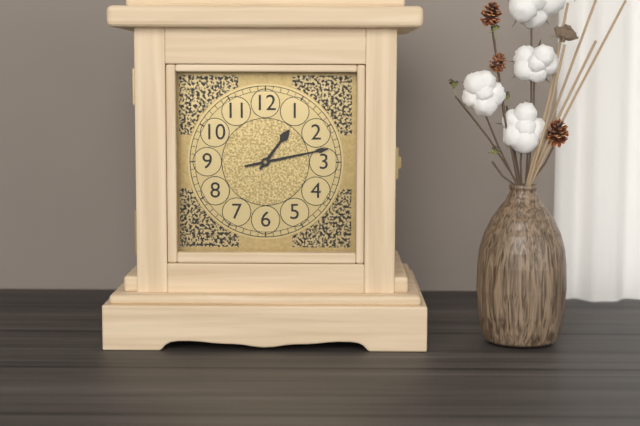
1h13
